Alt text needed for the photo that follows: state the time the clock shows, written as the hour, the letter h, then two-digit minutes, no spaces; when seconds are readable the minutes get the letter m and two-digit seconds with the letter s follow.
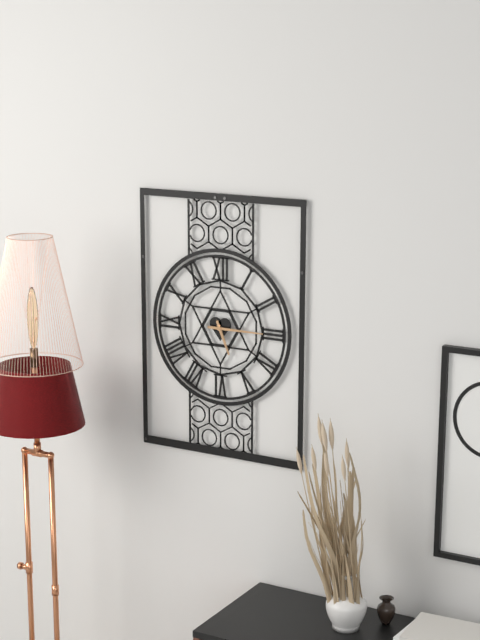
5h15
